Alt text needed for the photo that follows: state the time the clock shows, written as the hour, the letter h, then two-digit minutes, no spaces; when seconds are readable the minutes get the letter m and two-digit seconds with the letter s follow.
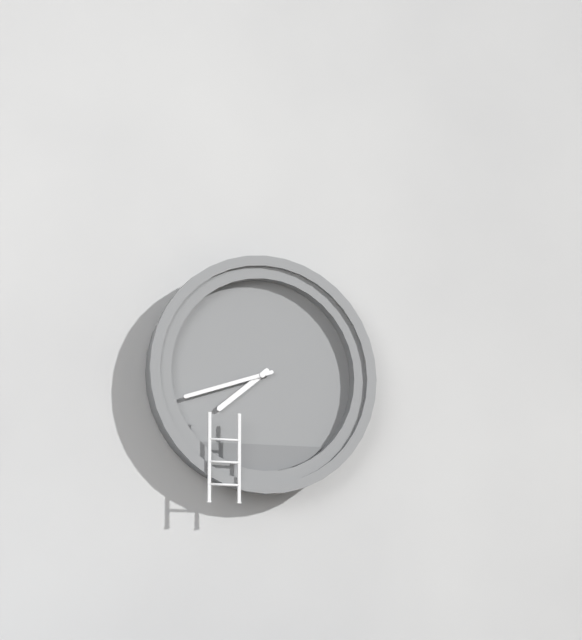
7h42
